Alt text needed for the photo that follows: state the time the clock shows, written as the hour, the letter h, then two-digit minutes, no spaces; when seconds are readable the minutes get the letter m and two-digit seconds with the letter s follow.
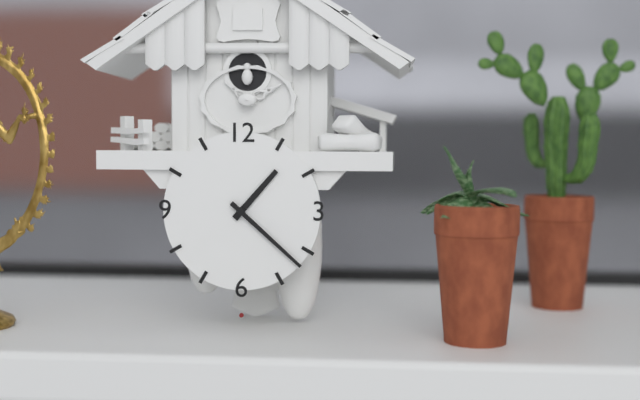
1h22
